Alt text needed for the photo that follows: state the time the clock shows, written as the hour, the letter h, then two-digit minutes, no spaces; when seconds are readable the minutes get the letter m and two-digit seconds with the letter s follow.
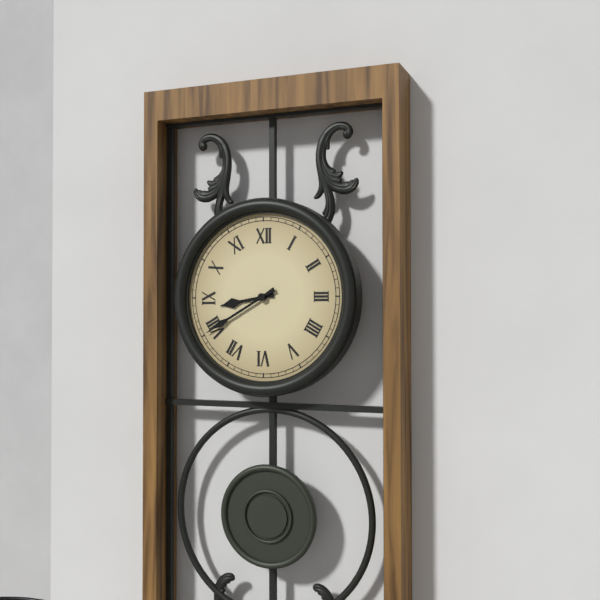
8h40
